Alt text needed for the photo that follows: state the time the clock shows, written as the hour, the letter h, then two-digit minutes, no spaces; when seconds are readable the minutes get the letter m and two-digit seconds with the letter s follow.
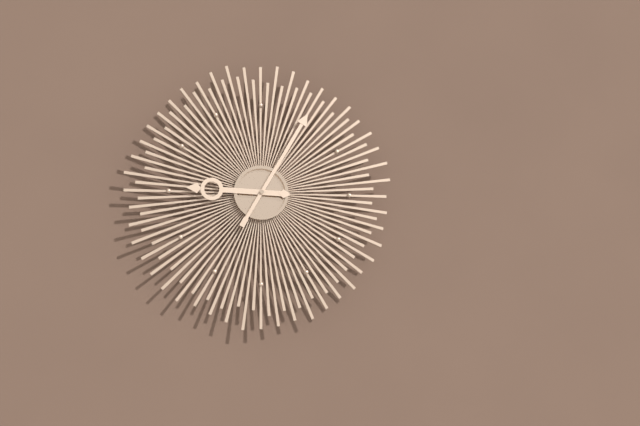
9h05
